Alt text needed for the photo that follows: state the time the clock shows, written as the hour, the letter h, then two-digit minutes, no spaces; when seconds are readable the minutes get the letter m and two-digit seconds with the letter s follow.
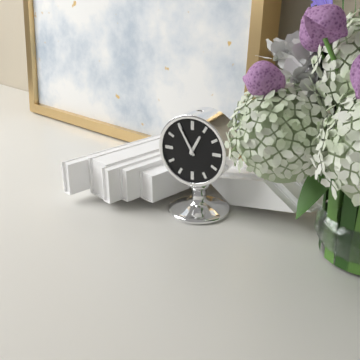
12h55
